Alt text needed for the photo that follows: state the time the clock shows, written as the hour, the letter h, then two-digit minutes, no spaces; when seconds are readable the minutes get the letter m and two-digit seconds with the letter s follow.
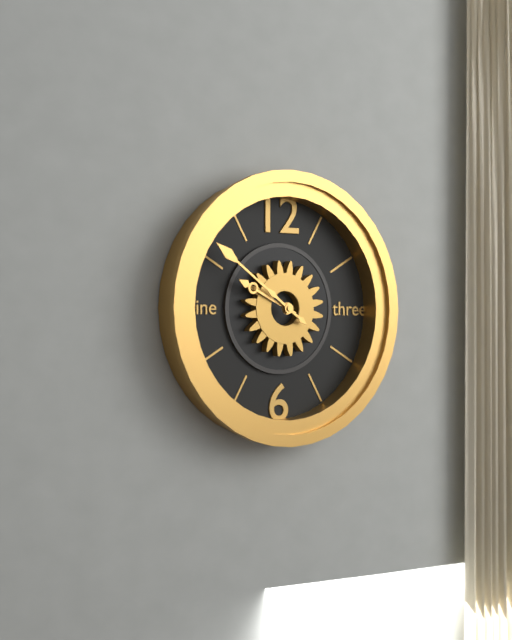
9h51
